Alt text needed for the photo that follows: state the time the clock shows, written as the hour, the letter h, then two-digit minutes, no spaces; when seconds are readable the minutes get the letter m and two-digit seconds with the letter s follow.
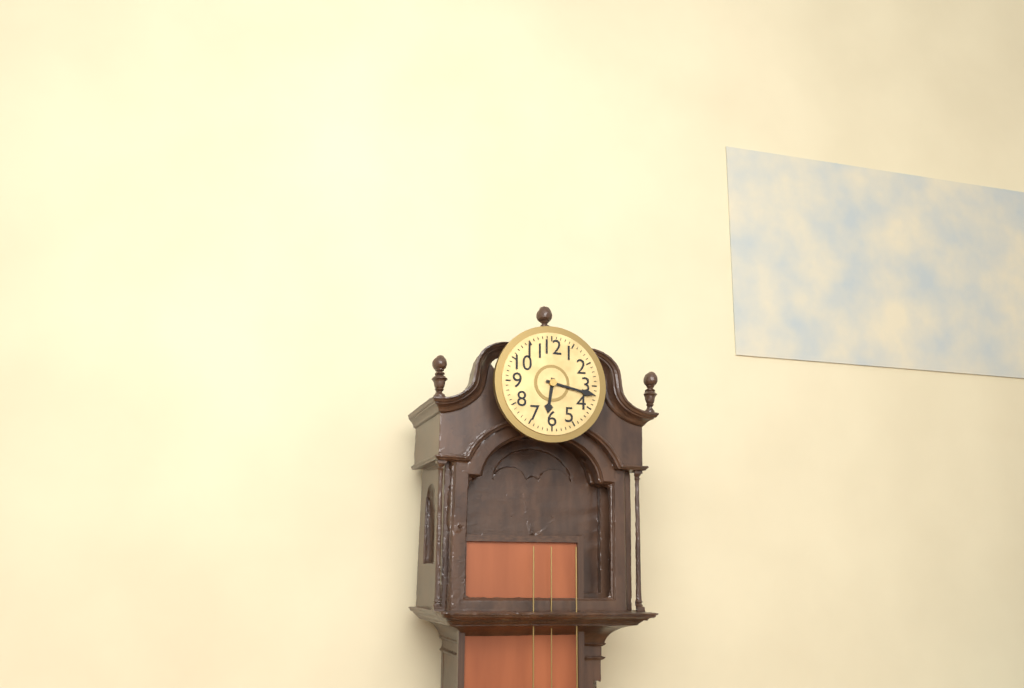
6h17
